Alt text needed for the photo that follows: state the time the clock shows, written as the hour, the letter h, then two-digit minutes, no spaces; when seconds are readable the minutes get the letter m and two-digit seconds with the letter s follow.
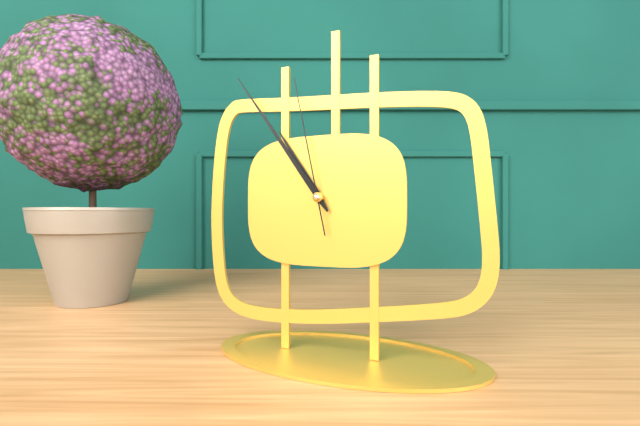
10h54m58s
